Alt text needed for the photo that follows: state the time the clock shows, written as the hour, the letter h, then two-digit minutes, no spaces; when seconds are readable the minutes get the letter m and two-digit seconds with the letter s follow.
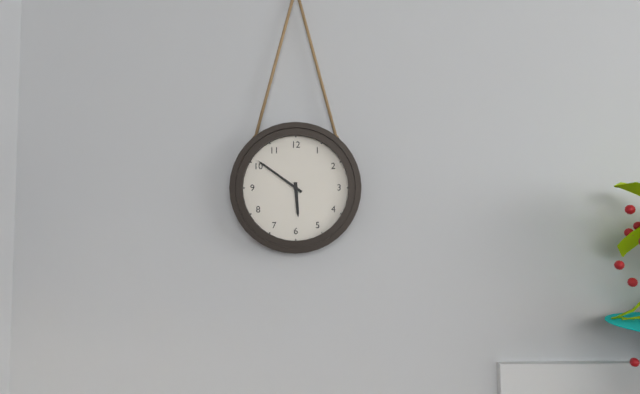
5h51
